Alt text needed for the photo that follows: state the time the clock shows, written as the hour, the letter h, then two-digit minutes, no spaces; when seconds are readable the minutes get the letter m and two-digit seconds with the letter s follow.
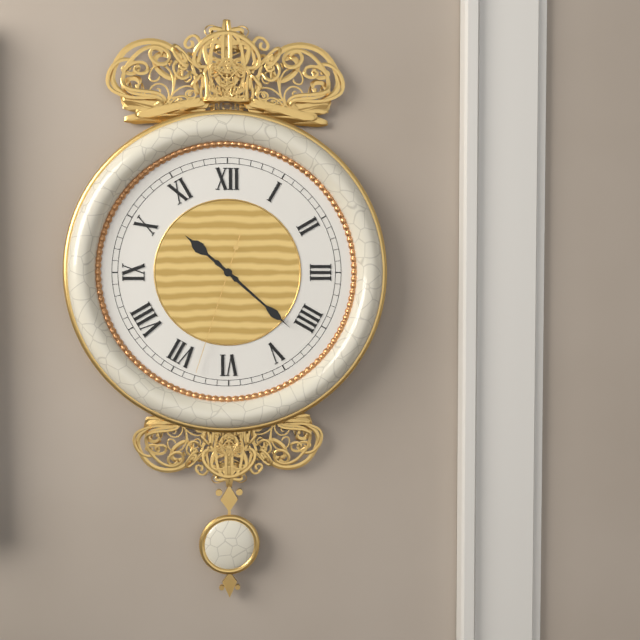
10h22m33s
